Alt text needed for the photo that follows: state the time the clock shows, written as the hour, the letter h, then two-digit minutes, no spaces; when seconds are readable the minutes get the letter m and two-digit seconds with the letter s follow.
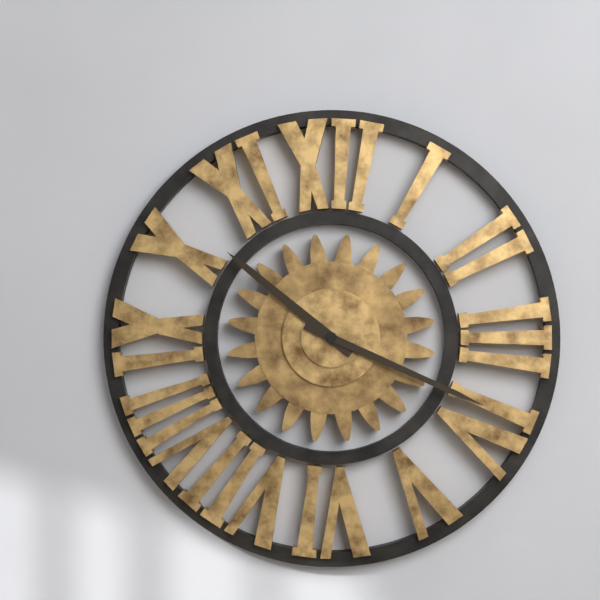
10h19
